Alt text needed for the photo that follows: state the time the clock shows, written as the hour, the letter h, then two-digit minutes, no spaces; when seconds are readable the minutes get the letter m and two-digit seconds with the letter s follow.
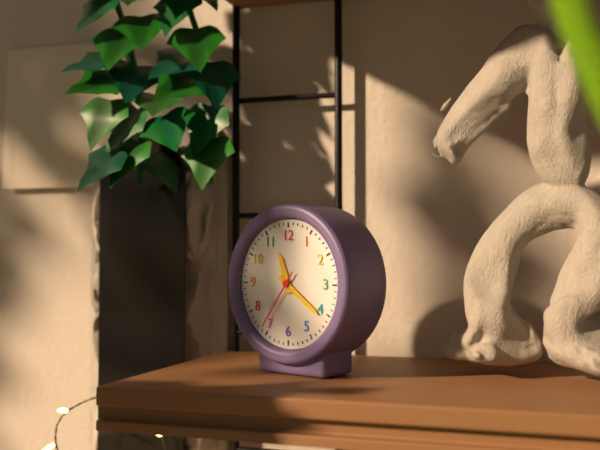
11h21m36s
